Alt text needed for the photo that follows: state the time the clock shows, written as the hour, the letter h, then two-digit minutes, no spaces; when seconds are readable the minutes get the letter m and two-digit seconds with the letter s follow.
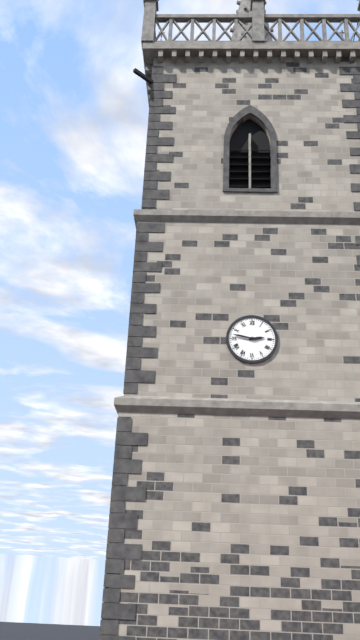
2h47
